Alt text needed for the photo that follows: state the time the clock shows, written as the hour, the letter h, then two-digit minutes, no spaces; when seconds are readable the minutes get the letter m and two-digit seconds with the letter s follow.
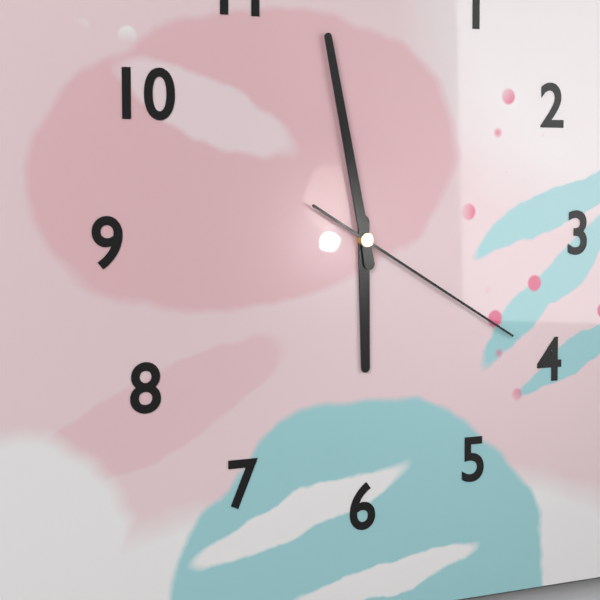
5h58m20s
